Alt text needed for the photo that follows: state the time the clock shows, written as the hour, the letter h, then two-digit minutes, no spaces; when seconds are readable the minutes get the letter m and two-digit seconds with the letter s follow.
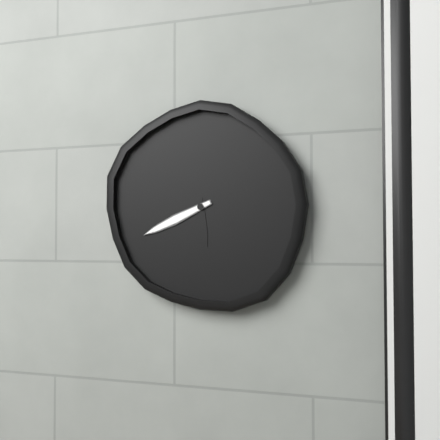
5h41
